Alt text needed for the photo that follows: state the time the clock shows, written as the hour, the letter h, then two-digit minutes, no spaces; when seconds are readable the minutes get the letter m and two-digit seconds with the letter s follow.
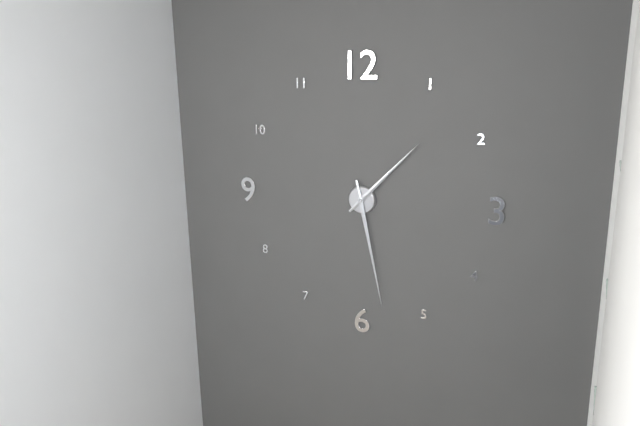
1h28
